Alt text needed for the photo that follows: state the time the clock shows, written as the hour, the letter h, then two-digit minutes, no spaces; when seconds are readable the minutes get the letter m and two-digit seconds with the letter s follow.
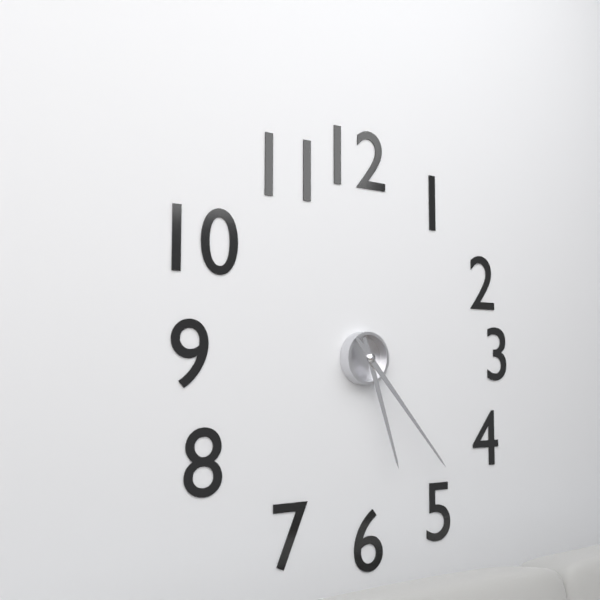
5h23
